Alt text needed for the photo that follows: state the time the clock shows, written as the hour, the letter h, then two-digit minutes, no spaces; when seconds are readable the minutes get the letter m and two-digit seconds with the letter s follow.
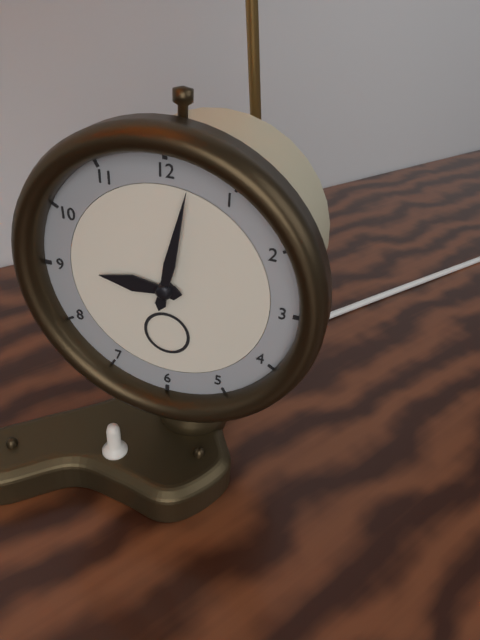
9h02
